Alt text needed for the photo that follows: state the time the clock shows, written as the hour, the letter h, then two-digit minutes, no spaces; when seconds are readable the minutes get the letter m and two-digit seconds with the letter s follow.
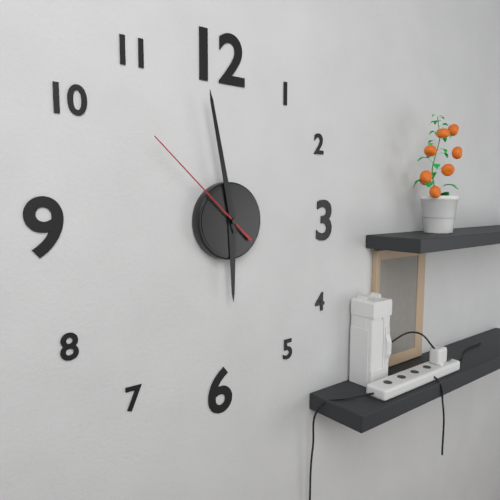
5h58m52s
